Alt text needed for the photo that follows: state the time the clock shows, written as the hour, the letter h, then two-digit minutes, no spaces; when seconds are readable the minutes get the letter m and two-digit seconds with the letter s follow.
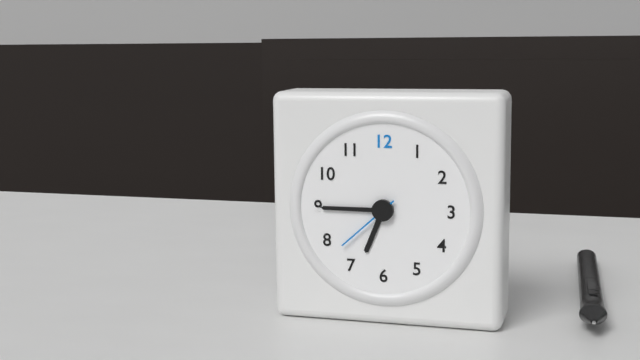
6h45m38s
